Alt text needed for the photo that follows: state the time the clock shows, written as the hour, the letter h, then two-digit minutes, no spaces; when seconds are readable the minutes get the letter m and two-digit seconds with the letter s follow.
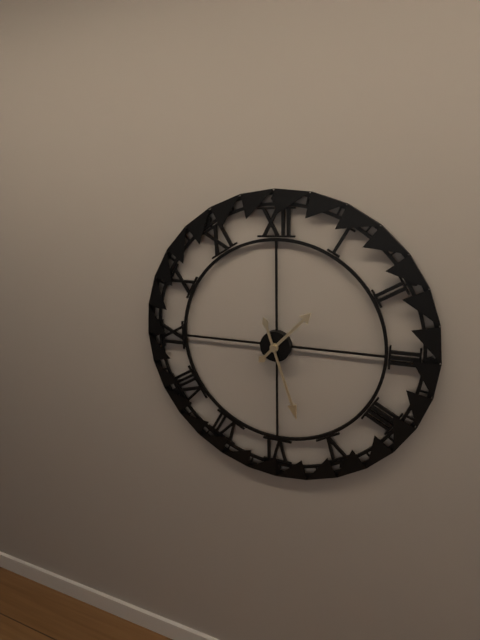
1h27
